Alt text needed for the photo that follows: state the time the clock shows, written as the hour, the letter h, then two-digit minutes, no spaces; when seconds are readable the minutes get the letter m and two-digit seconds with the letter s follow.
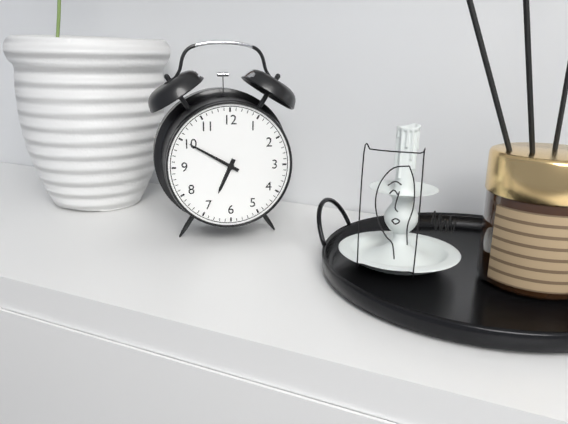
6h50
